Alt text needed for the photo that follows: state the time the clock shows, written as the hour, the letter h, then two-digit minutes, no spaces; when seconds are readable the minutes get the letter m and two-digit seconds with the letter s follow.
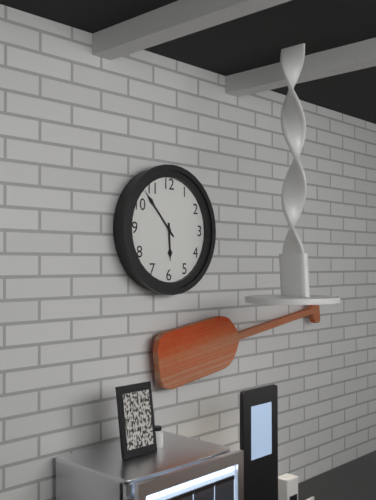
5h53
